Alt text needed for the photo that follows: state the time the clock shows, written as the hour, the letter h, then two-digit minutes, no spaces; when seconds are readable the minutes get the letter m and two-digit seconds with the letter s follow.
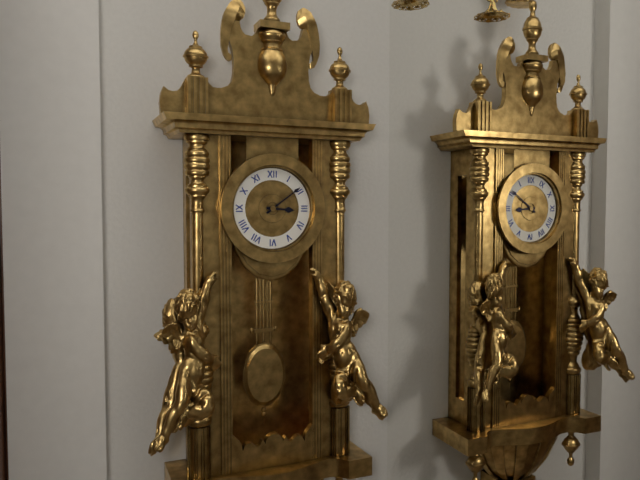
3h09
